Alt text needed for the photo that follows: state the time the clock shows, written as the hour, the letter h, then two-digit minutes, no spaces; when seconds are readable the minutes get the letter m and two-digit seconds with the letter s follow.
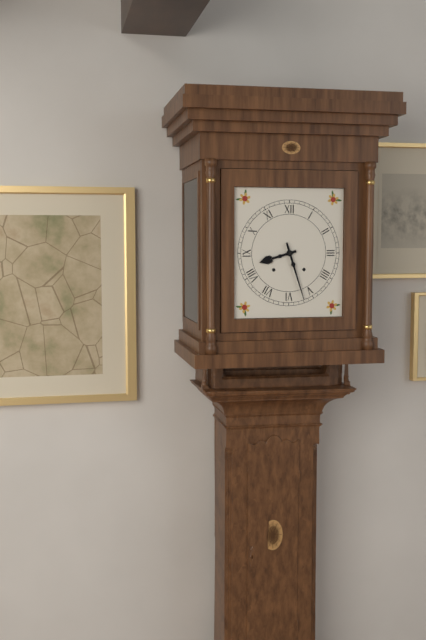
8h27
